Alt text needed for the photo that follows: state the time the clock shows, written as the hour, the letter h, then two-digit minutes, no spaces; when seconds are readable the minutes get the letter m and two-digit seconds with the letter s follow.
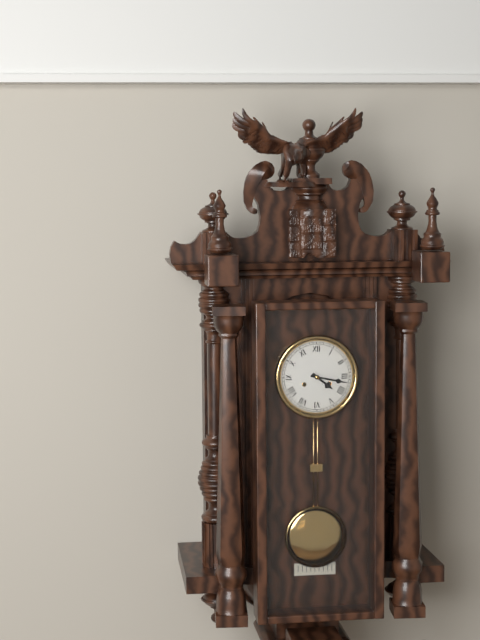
4h17
